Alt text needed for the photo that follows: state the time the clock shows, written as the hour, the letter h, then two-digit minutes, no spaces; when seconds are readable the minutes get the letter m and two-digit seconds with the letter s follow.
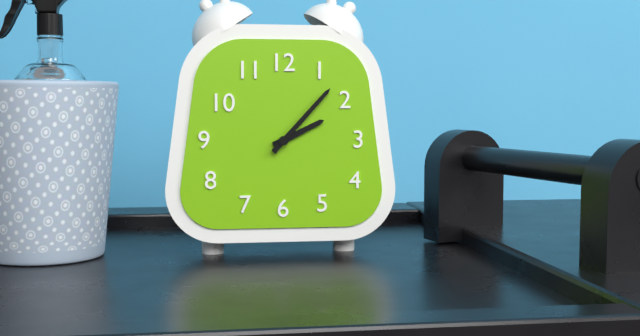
2h07
